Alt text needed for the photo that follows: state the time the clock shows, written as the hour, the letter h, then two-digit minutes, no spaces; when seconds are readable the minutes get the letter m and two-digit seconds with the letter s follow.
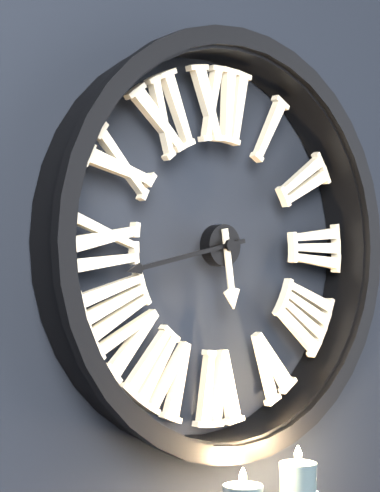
5h43
